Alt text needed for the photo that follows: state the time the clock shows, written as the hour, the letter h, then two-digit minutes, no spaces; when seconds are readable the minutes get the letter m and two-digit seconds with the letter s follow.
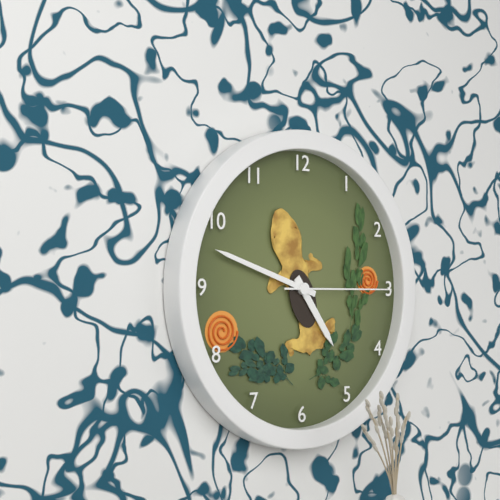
4h48m15s
